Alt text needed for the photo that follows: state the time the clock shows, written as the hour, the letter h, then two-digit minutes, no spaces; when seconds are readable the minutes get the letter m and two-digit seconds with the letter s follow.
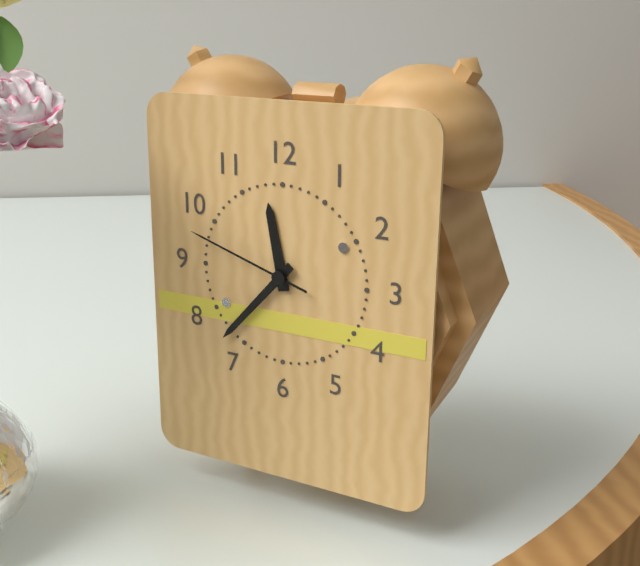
11h37m48s
